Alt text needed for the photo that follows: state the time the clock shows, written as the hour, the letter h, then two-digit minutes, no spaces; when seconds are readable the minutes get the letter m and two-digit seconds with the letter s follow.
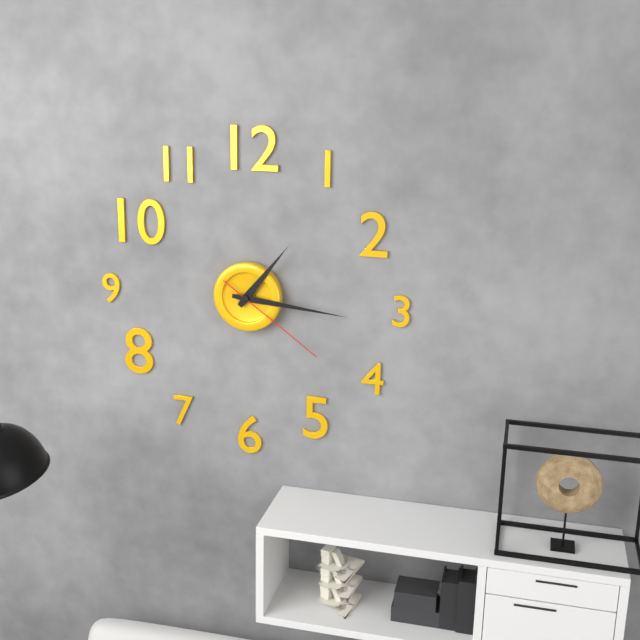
1h16m21s
